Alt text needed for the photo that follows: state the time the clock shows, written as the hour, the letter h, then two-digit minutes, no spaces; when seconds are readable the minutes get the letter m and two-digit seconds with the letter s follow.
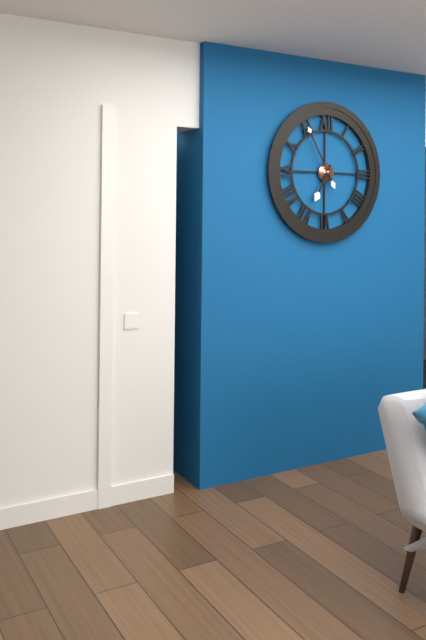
6h55
